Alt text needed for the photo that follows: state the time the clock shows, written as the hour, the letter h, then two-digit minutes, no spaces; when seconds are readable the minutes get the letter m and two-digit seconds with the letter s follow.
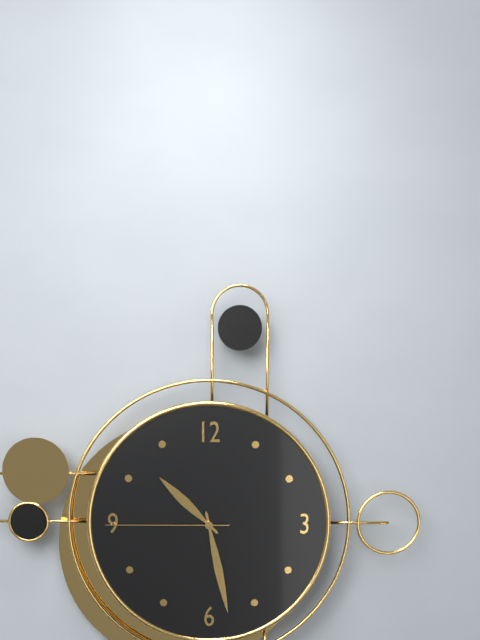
10h28m45s
